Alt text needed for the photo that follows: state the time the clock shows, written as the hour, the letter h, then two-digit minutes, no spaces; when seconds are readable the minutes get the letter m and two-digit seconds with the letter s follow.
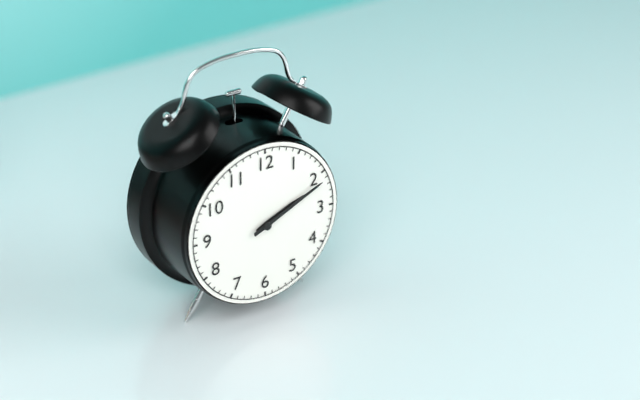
2h11
